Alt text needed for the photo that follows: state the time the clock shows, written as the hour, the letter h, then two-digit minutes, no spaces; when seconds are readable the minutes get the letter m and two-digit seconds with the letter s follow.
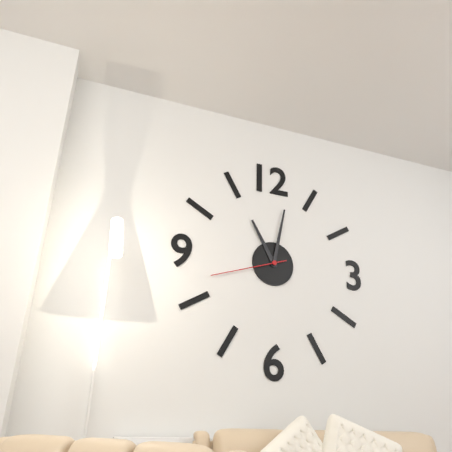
11h02m42s
